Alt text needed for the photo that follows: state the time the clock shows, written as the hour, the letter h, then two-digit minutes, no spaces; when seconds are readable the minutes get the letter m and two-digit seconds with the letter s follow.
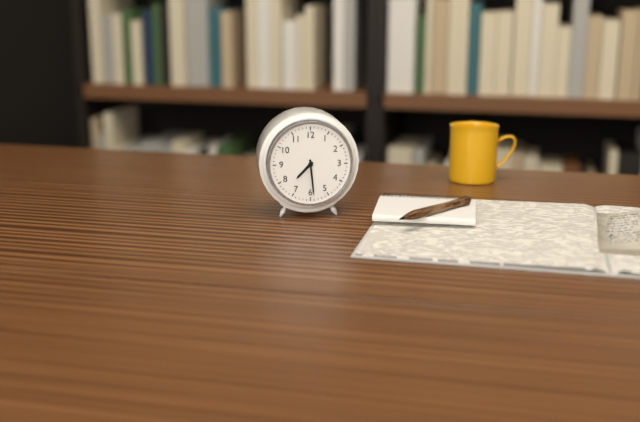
7h29
